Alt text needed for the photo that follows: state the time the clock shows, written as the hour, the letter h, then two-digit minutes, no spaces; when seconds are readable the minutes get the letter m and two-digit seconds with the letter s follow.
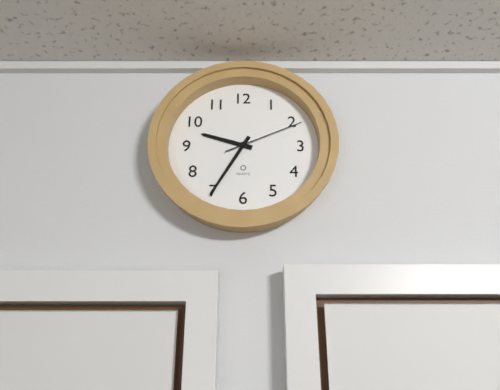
9h35m11s
